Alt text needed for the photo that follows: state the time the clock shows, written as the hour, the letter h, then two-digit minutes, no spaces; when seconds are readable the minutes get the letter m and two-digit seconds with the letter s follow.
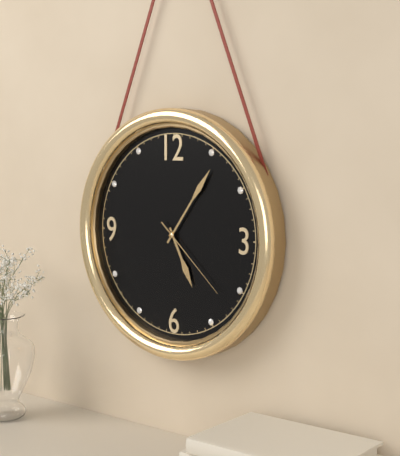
5h06m22s
